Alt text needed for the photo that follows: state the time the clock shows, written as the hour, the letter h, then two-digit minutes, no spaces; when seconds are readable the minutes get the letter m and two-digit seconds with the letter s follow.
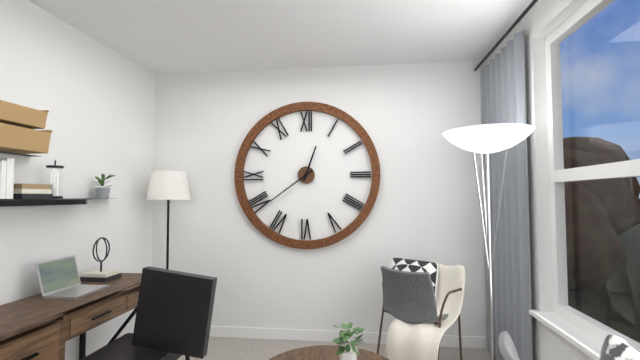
12h39
